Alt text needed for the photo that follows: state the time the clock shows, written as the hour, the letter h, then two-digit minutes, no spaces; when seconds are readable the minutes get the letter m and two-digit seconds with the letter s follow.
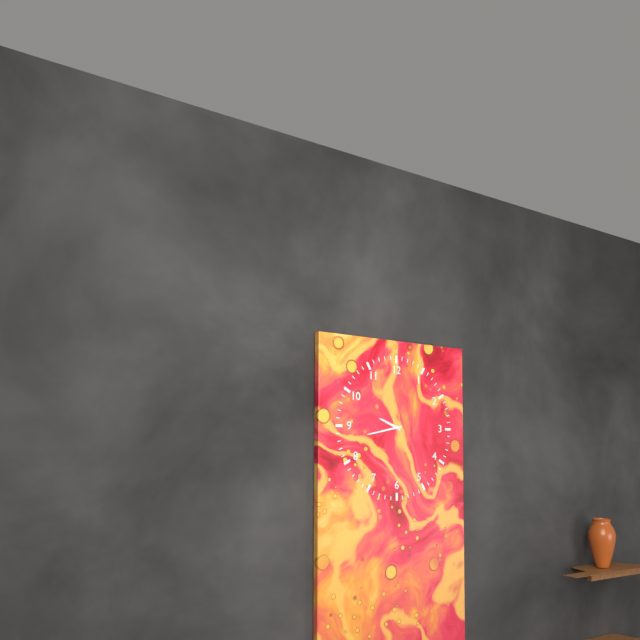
9h43
